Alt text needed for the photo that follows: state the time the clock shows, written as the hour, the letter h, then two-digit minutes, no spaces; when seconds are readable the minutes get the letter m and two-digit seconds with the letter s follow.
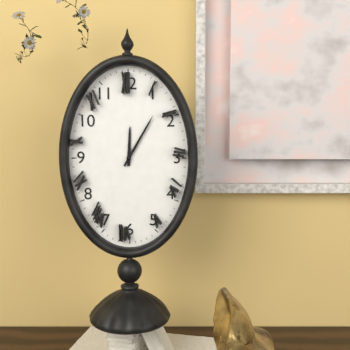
12h05
